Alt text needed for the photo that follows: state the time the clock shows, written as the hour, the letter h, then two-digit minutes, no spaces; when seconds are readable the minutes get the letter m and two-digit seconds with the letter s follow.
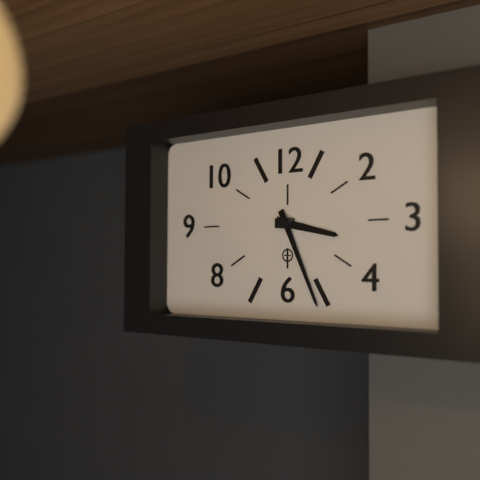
3h26
